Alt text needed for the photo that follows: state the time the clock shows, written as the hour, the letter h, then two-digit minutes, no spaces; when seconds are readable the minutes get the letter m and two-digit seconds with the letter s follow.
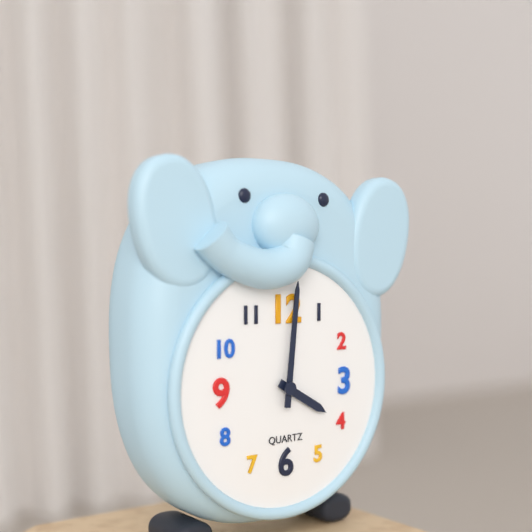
4h01
